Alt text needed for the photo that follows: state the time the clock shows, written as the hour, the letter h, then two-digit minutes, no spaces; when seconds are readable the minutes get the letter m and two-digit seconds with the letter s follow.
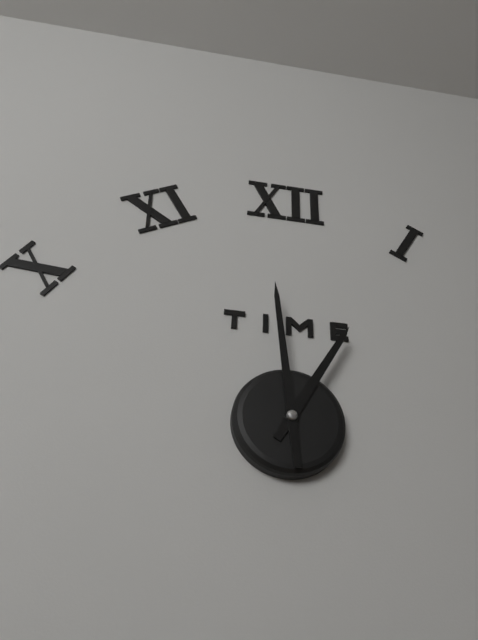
12h59
